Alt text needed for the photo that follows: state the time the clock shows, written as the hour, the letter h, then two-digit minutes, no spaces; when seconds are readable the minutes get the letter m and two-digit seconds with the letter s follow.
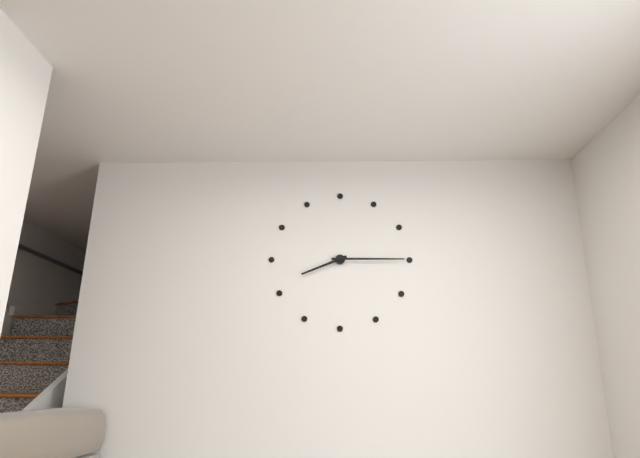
8h15
